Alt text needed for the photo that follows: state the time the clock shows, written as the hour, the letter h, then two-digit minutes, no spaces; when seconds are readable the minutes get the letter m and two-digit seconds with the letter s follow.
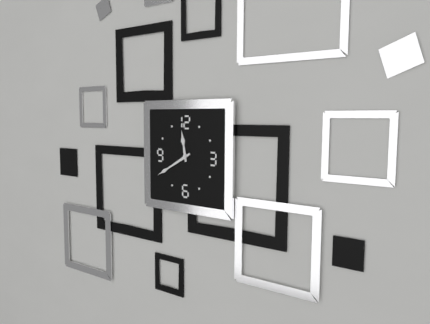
11h40
